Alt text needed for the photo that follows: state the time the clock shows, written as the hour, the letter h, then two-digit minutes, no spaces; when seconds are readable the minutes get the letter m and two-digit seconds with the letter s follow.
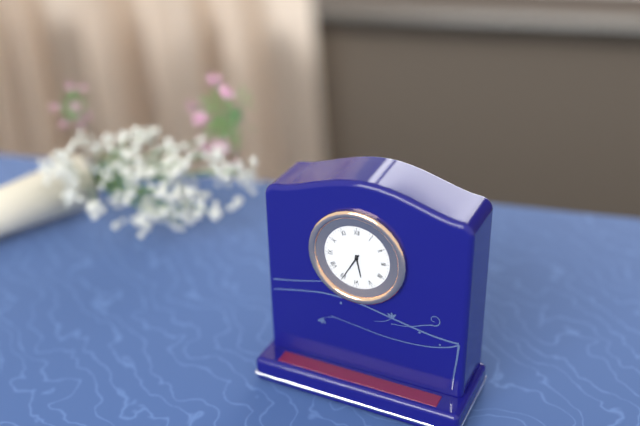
5h35
